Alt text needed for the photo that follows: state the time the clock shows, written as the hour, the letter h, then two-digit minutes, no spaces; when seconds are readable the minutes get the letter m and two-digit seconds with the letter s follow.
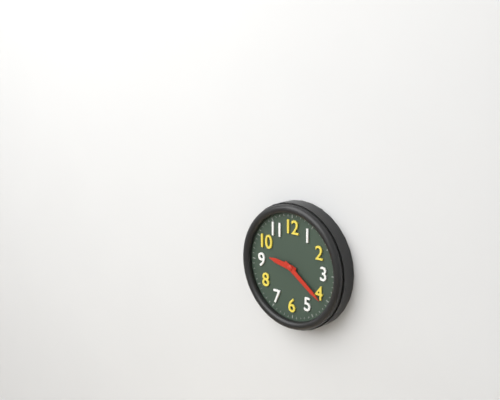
9h21
